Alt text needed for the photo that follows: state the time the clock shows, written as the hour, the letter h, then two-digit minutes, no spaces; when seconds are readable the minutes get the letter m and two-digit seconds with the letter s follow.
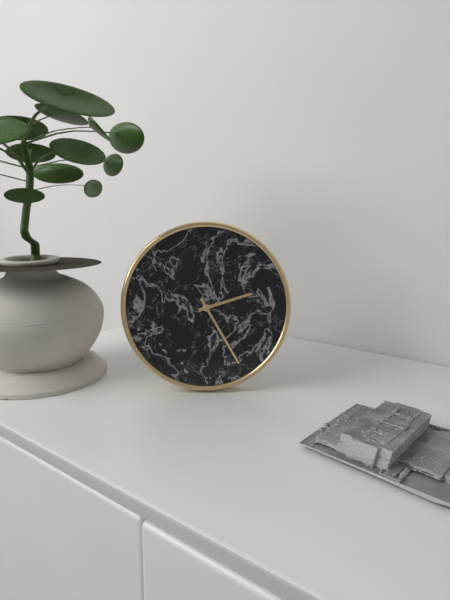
2h25
